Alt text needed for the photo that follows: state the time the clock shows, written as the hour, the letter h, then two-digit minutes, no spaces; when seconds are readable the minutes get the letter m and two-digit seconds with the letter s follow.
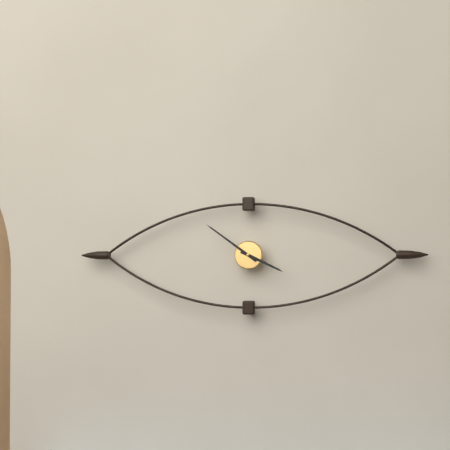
3h51
